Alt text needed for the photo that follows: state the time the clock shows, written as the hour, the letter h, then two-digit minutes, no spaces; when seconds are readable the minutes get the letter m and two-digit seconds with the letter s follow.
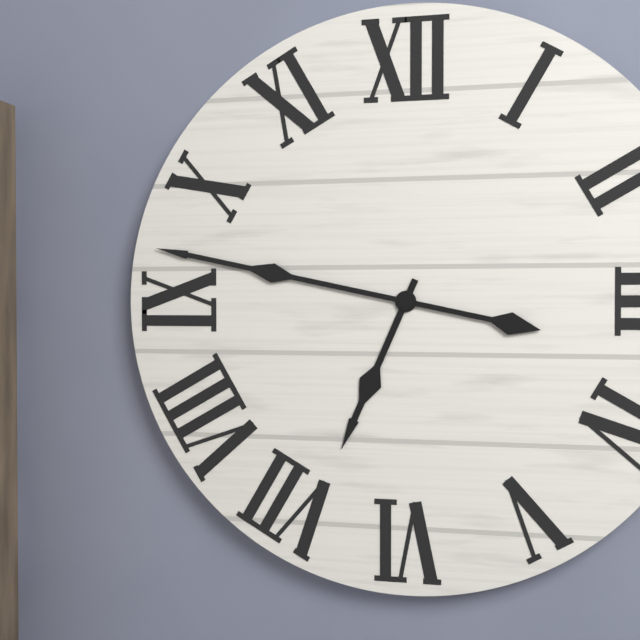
6h47
